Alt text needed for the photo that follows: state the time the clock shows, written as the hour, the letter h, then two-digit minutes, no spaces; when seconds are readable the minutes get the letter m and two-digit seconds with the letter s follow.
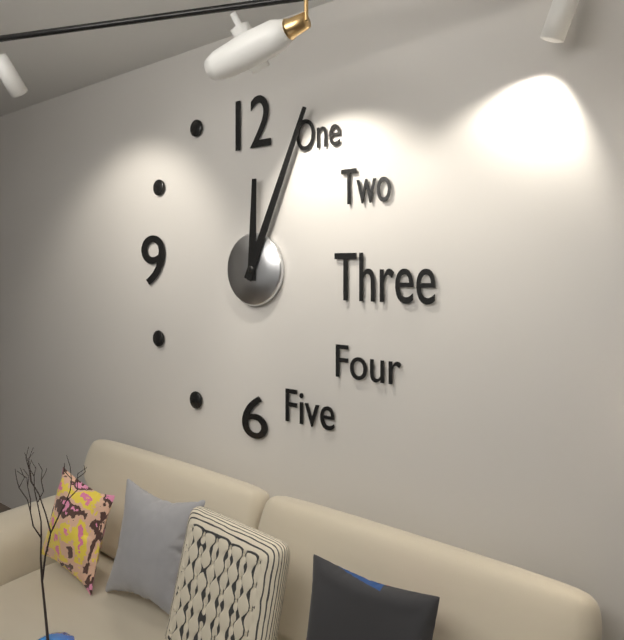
12h04
